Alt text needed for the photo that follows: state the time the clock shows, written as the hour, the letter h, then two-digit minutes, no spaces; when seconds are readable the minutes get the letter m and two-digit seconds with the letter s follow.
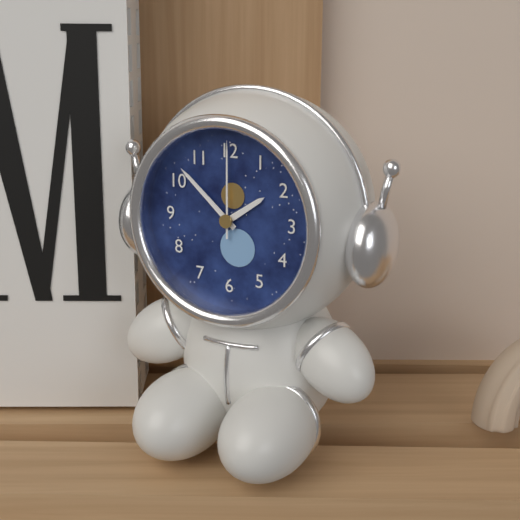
1h52m00s
